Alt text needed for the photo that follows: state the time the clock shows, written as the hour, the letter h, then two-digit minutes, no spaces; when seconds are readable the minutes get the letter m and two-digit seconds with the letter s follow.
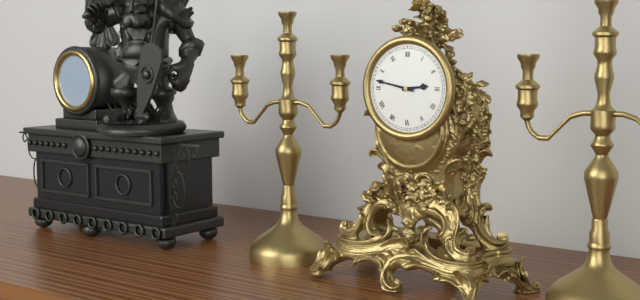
2h47
